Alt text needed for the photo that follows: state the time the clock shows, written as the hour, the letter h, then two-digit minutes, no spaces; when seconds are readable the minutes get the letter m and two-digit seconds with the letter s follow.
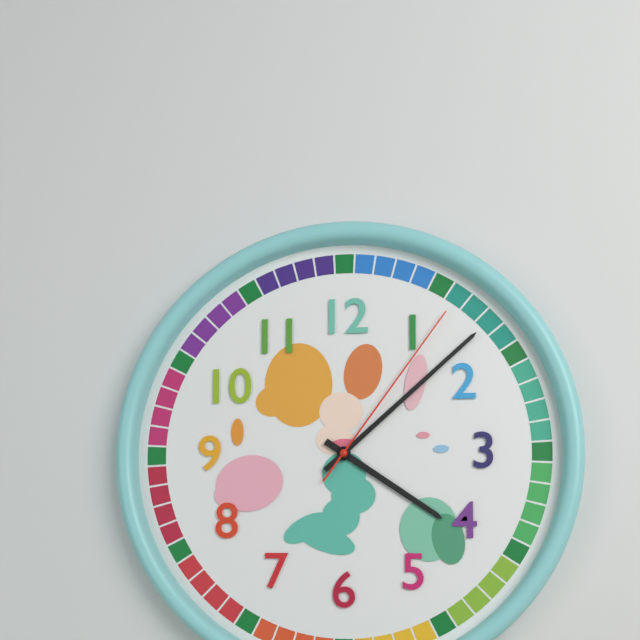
4h08m06s
